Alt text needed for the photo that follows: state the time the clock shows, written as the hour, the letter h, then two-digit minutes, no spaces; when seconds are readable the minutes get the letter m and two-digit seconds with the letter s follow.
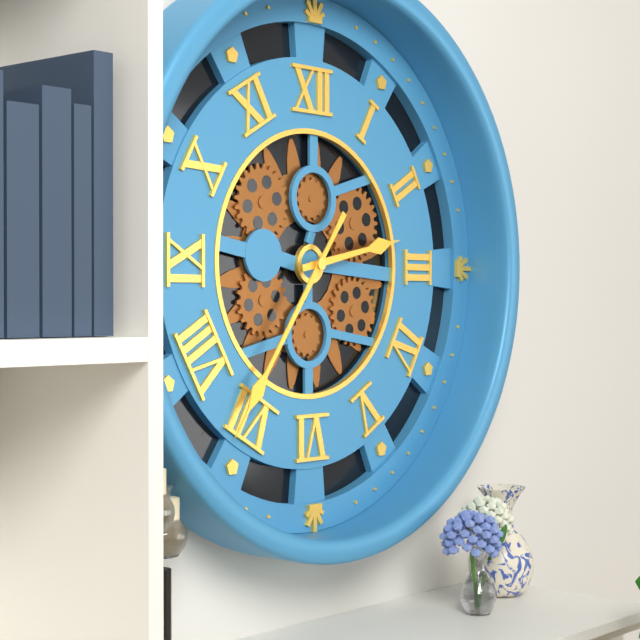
2h36
